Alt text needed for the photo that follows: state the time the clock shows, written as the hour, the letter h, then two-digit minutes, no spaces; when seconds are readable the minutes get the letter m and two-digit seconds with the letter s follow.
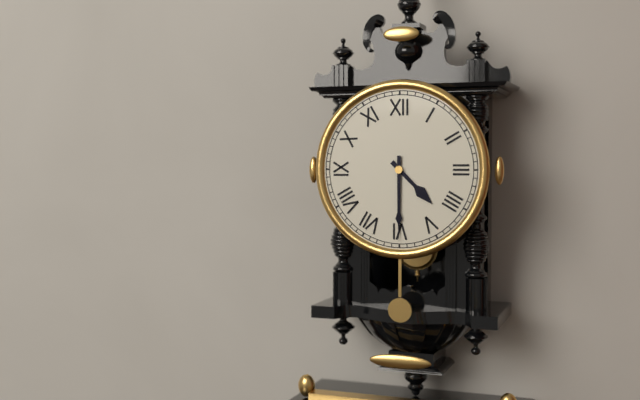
4h30
